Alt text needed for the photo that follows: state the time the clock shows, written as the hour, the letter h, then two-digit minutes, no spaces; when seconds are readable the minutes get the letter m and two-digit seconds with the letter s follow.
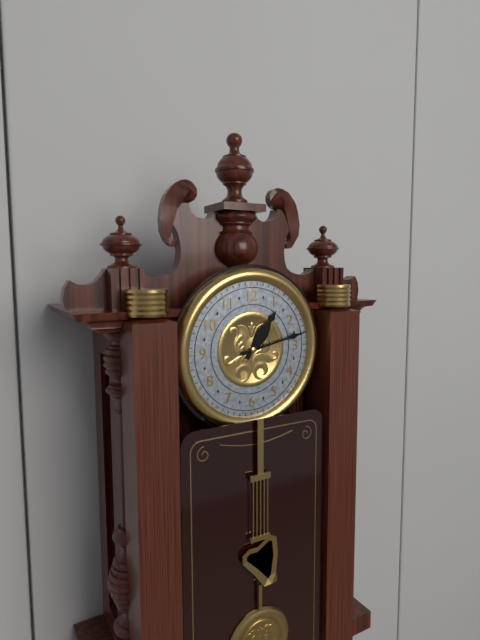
1h13
